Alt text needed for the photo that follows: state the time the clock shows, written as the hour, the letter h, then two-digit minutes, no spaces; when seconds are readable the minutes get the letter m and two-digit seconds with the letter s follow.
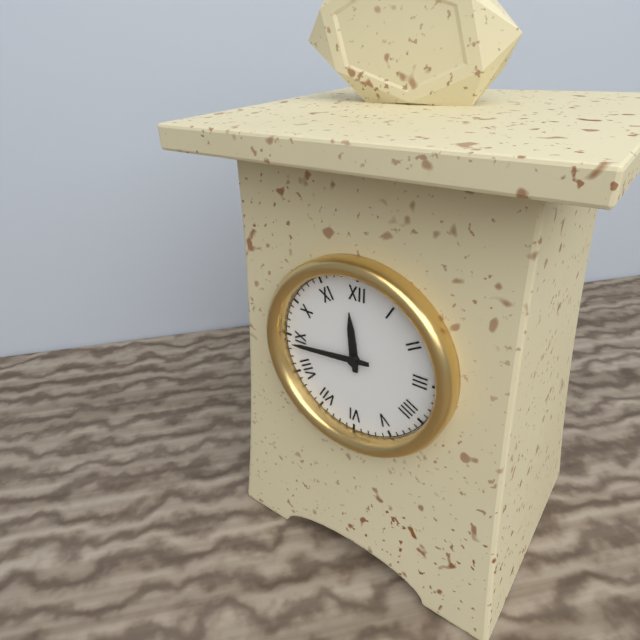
11h44
